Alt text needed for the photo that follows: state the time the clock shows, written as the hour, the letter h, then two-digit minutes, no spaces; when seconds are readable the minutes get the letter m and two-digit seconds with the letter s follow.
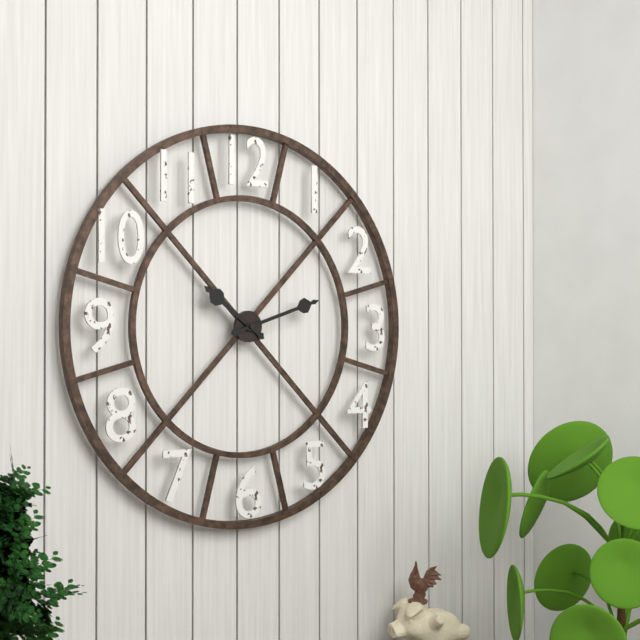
10h12
